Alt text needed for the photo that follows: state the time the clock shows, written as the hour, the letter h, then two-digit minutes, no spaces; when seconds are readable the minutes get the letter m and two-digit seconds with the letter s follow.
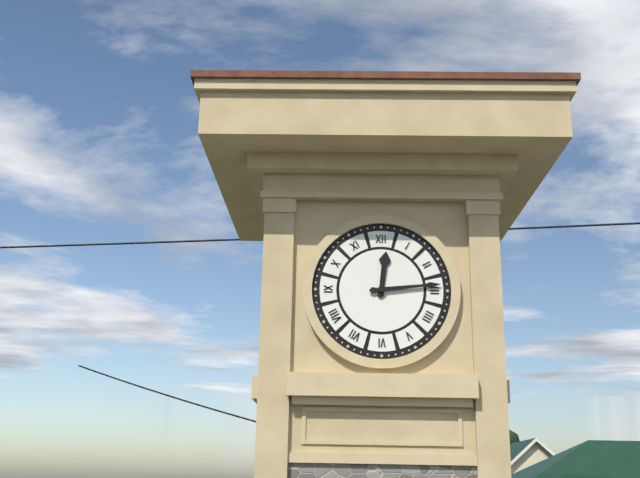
12h14
